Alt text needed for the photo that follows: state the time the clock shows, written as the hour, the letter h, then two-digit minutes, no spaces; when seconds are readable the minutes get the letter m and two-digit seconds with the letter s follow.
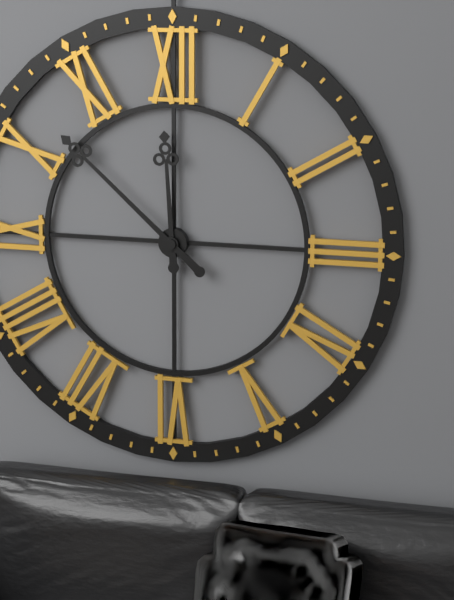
11h52
